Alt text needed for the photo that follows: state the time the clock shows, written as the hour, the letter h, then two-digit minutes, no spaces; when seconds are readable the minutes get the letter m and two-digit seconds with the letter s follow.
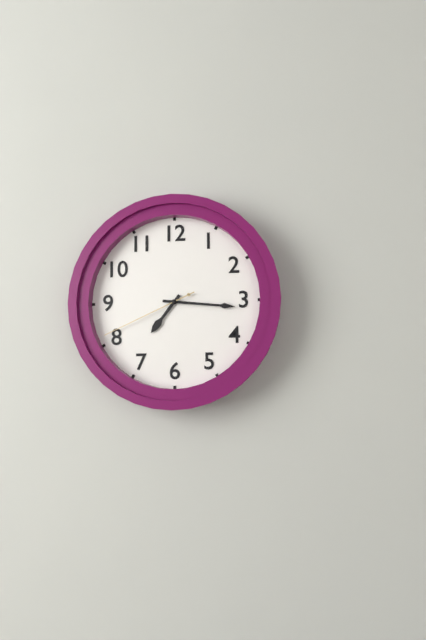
7h16m41s
